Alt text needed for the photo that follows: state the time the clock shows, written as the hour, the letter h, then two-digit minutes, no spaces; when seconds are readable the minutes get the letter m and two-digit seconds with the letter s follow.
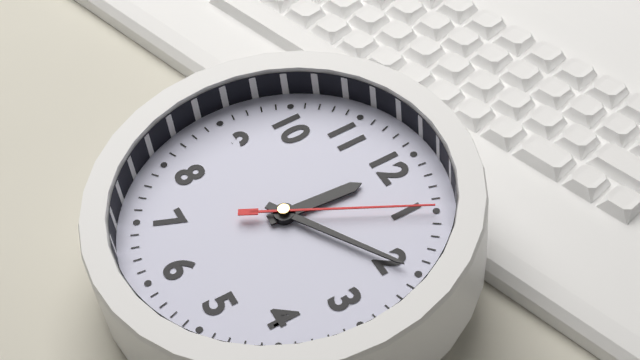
12h10m05s
